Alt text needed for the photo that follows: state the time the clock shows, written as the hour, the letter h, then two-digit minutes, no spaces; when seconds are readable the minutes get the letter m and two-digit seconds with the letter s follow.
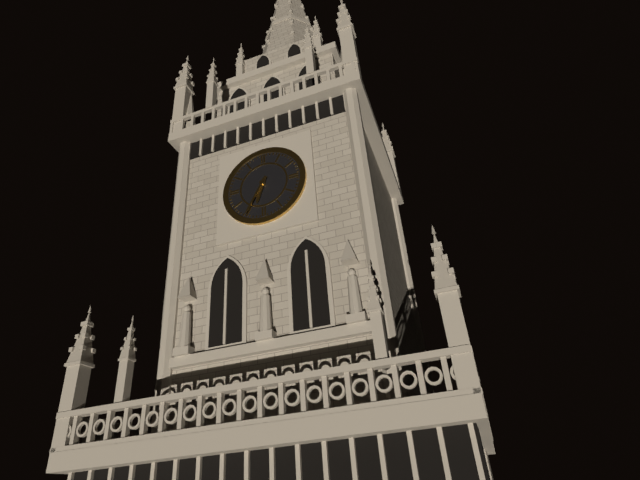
6h35
